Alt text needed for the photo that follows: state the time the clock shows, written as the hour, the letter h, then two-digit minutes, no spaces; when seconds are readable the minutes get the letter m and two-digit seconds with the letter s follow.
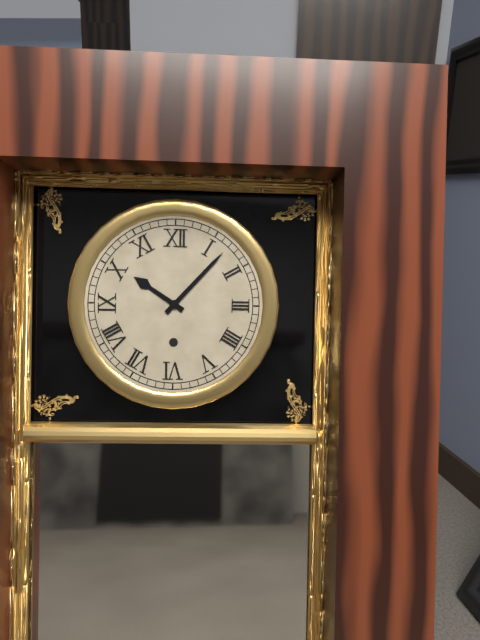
10h07
